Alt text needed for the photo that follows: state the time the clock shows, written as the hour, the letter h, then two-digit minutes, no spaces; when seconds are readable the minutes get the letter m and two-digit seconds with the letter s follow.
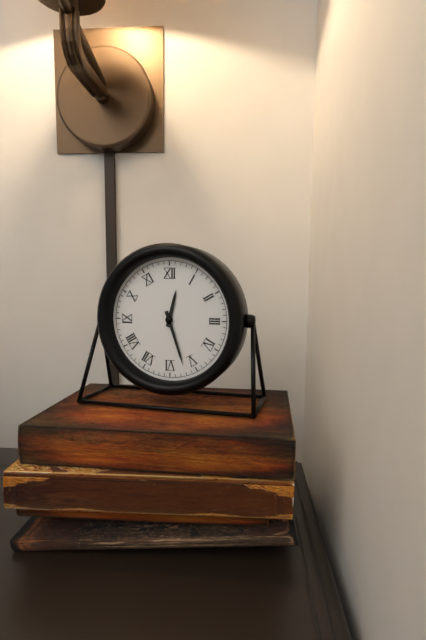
12h27
